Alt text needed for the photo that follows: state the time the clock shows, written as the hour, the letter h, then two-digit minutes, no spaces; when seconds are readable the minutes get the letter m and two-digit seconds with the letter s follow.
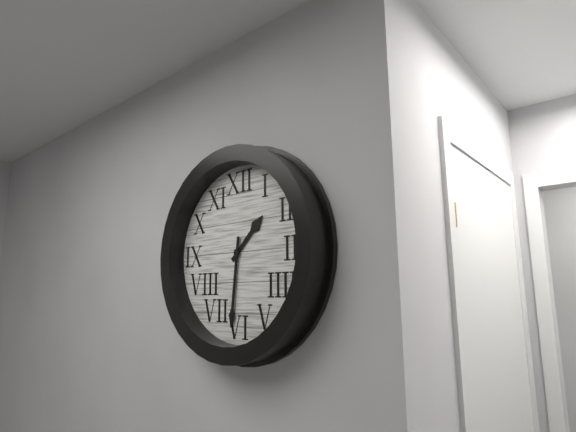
1h31
